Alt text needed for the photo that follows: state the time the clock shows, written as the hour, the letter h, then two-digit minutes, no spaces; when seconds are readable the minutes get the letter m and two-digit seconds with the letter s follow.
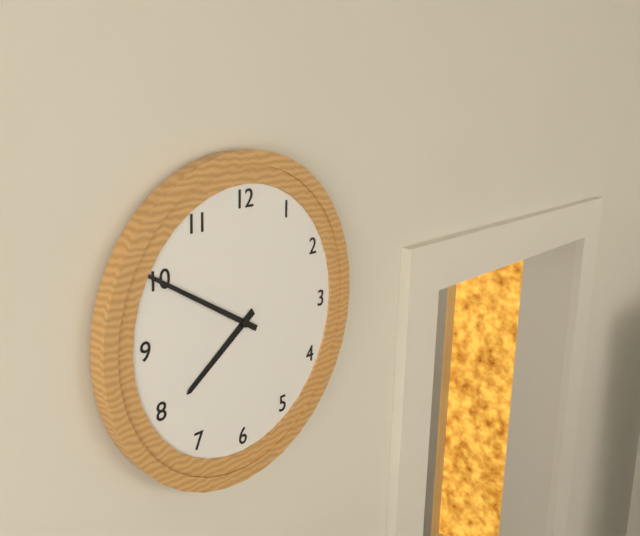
7h50
